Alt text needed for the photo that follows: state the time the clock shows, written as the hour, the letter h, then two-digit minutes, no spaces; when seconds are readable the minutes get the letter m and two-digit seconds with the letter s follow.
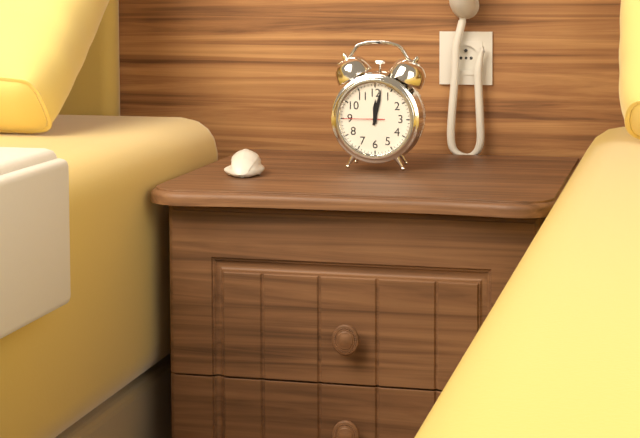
12h02
